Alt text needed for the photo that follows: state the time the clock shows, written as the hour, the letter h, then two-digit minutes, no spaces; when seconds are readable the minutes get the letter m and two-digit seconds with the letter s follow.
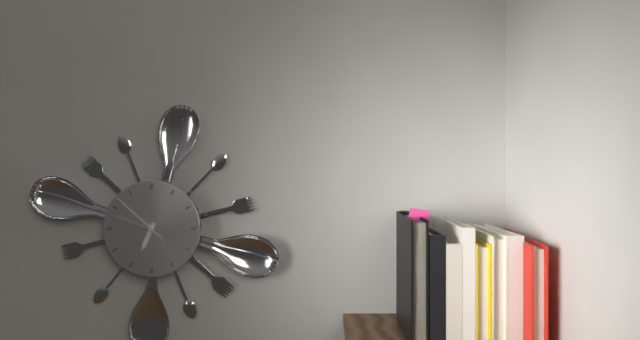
6h48m52s
